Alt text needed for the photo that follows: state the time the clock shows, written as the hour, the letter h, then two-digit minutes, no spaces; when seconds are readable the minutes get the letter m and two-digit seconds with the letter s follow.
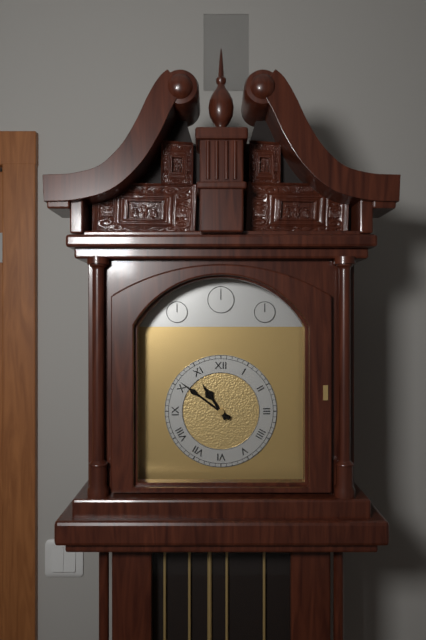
10h51
